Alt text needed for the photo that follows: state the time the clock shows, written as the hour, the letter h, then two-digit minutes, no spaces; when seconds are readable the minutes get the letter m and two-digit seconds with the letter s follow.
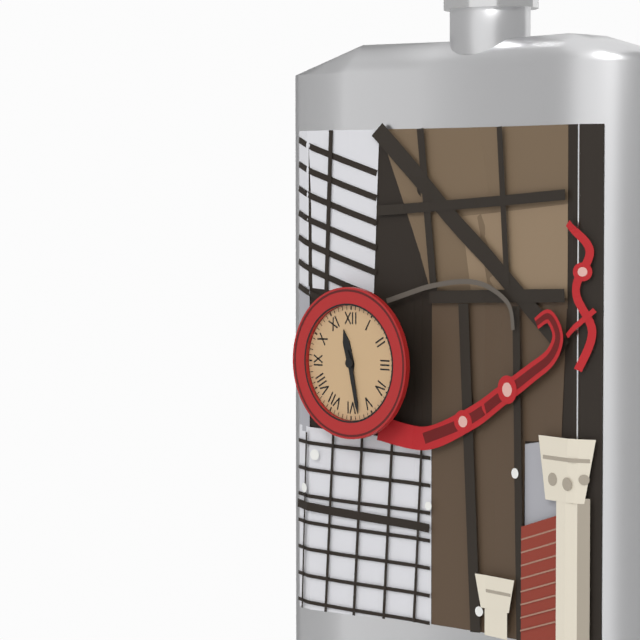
11h28
